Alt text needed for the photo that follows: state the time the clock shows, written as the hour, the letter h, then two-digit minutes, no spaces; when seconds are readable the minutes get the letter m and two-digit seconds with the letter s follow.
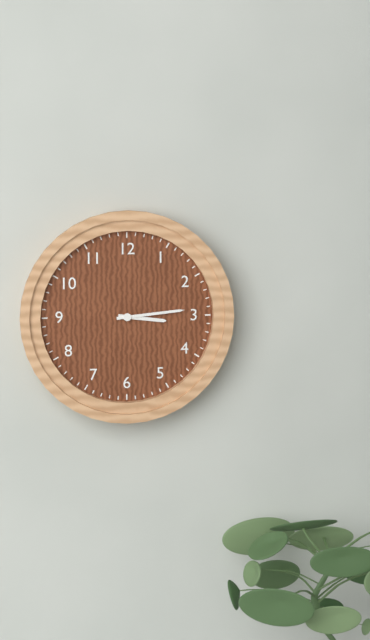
3h14
